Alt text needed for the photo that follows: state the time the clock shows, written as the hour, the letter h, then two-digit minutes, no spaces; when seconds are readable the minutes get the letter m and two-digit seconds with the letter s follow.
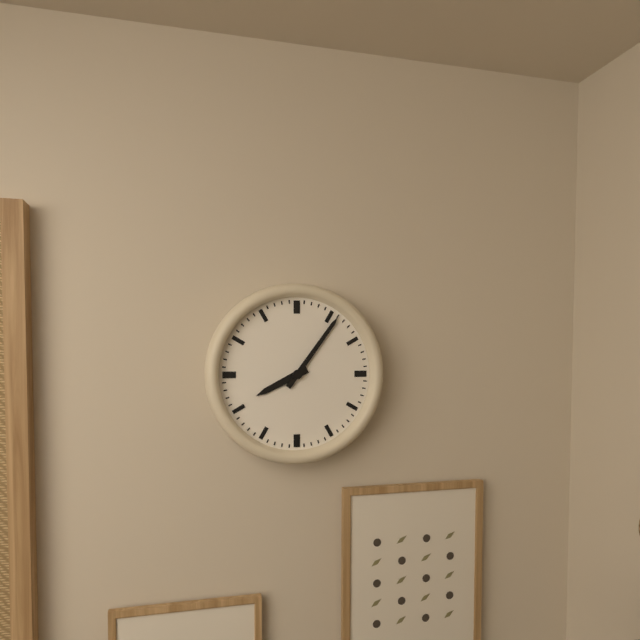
8h06
